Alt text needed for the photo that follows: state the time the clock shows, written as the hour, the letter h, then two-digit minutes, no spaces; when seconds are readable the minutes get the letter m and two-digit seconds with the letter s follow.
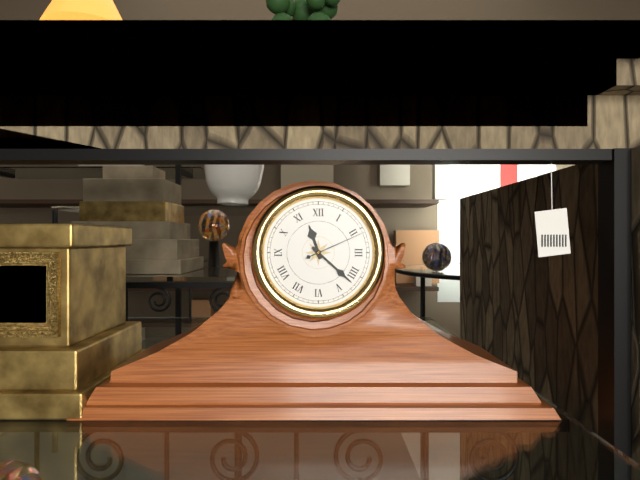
11h22m11s
